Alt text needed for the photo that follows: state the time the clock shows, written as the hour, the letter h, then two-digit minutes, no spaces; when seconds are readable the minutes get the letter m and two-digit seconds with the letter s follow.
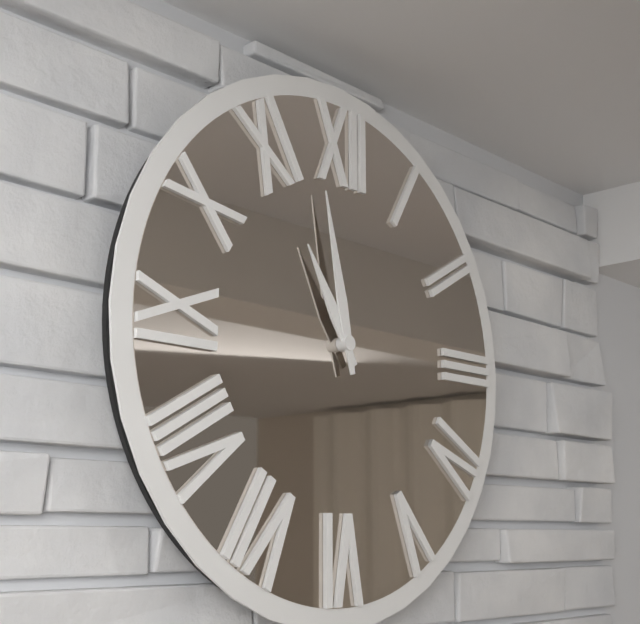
10h58
